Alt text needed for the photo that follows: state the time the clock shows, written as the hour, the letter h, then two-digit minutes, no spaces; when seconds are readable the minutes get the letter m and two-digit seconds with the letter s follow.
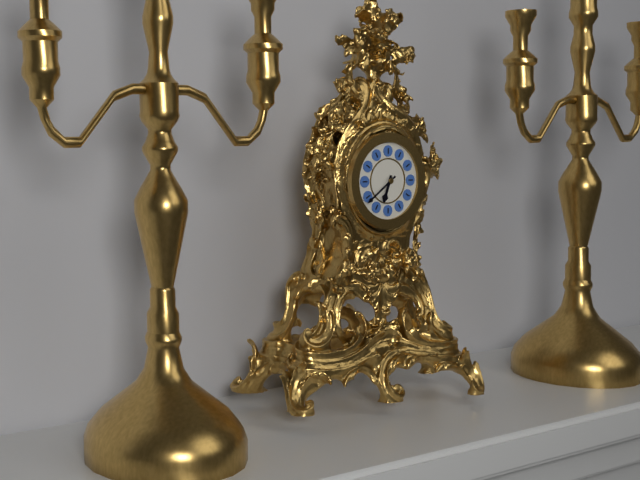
6h39
